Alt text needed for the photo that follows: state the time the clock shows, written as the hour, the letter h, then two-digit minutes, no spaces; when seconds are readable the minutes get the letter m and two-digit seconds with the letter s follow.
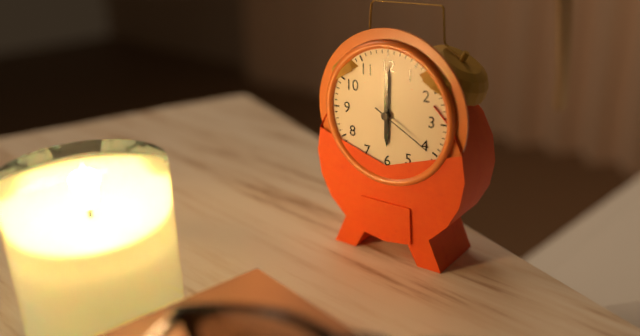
6h00m20s
